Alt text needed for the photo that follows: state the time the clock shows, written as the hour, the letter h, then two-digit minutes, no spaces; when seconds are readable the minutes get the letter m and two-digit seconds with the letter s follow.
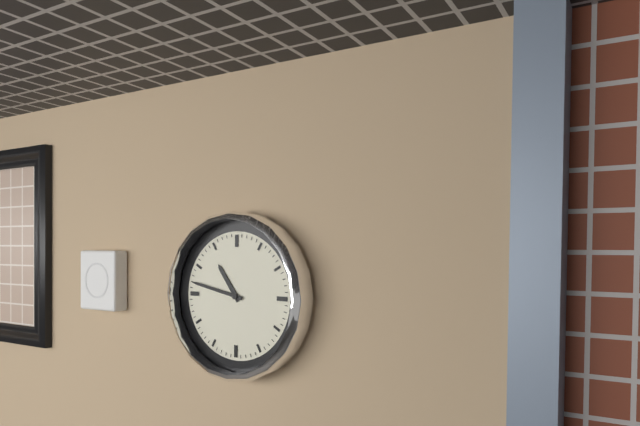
10h47
